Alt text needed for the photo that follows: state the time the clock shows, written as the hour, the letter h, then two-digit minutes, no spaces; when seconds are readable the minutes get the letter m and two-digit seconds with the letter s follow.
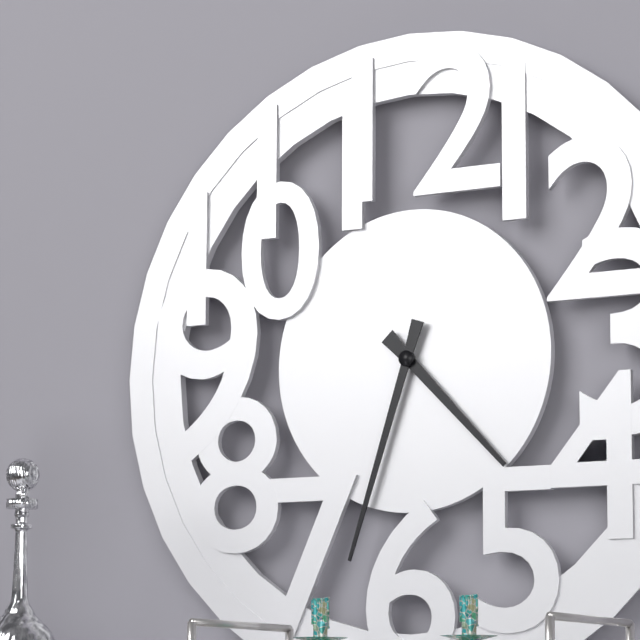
4h33
